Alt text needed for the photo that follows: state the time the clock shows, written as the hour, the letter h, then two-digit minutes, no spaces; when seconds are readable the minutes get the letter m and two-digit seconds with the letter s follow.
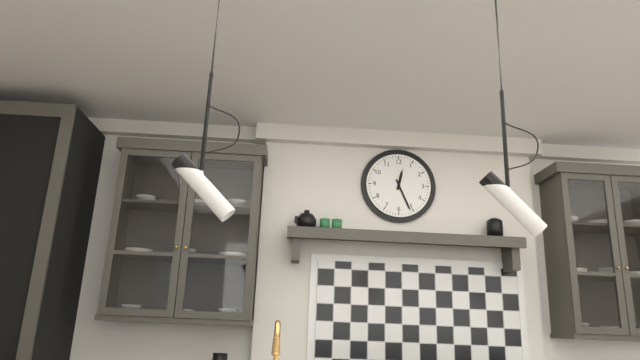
12h26
